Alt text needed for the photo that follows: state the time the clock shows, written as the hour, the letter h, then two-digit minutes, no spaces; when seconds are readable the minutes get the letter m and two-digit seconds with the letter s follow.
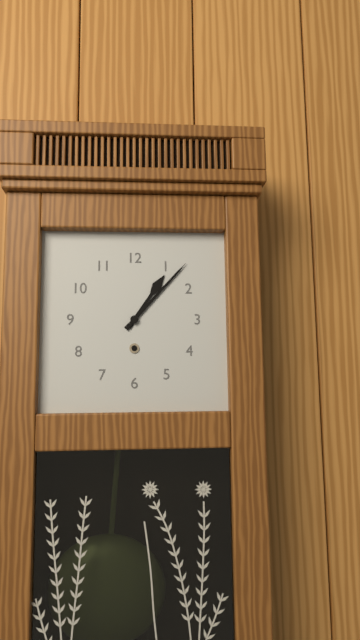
1h07
